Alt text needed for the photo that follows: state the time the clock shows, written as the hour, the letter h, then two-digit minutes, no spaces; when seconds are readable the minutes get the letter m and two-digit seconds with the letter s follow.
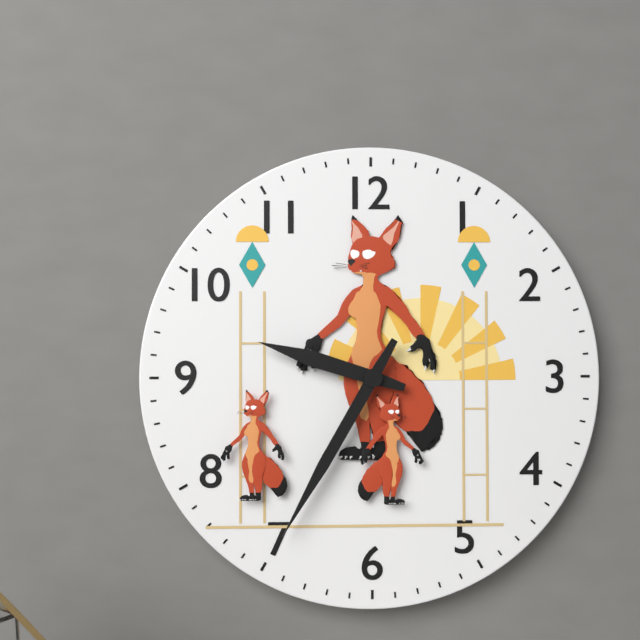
9h35
